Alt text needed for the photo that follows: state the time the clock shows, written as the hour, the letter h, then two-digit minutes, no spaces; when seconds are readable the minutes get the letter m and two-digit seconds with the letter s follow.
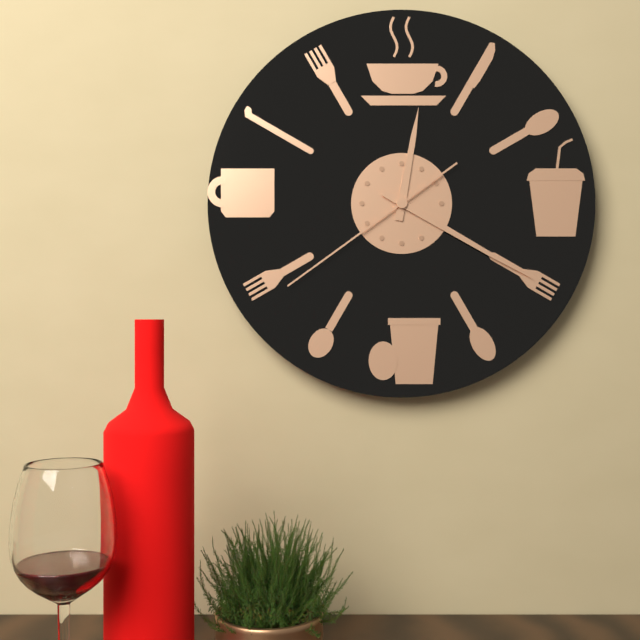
12h20m39s
